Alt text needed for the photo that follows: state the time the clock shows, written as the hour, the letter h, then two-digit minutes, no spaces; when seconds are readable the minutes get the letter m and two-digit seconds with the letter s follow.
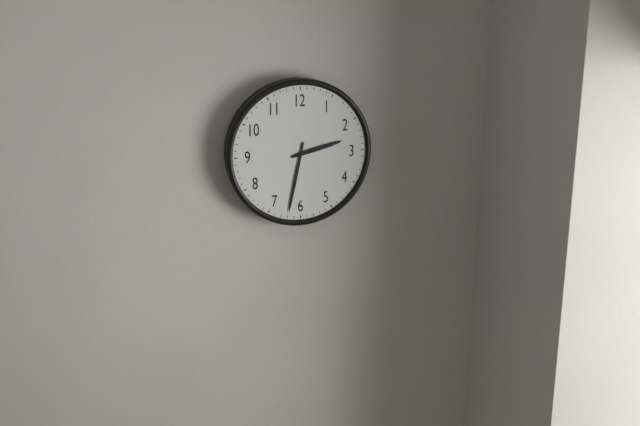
2h32
